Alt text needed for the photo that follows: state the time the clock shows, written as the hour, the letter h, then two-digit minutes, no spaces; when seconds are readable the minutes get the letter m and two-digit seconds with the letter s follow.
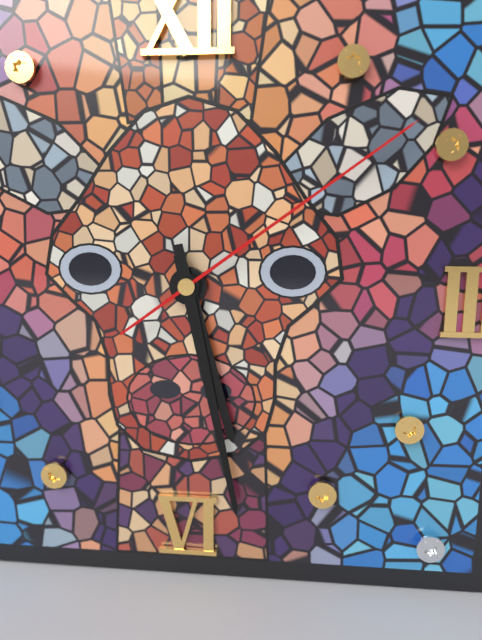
5h28m09s
